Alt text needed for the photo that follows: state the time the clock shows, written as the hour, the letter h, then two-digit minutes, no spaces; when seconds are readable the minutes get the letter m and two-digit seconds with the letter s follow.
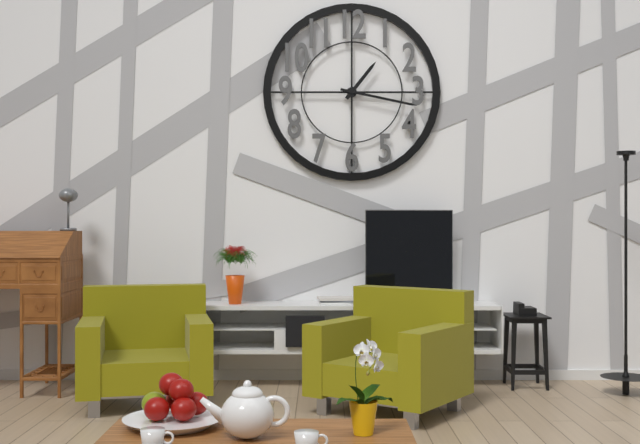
1h17
